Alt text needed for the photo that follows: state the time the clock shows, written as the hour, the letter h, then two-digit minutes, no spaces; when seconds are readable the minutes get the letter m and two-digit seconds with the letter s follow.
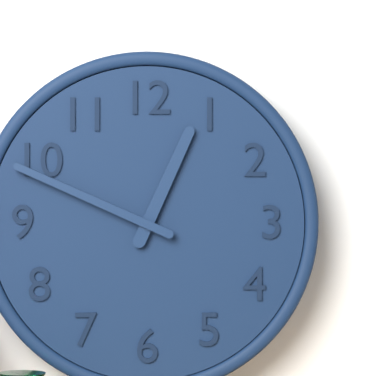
12h49
